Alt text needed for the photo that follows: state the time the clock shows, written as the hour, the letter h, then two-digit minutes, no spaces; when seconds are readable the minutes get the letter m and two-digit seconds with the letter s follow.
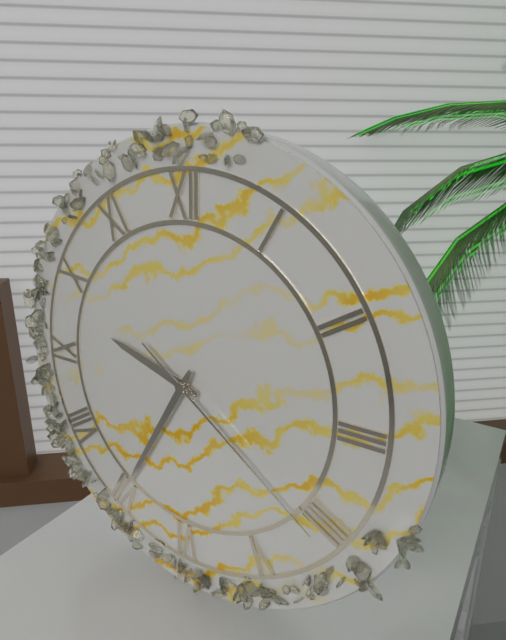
9h35m21s
